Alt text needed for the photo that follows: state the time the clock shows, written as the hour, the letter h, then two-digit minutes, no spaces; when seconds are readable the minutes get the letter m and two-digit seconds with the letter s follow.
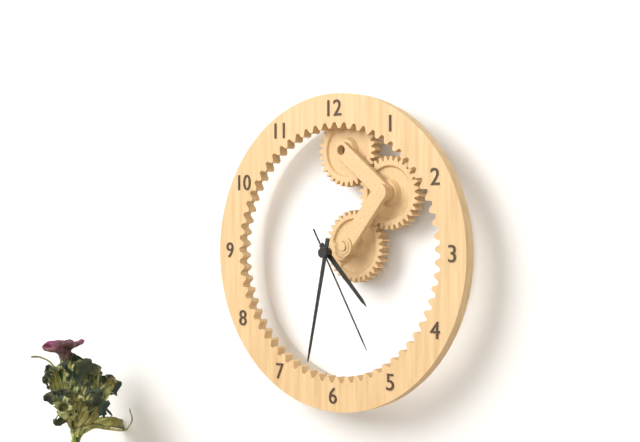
4h32m25s
